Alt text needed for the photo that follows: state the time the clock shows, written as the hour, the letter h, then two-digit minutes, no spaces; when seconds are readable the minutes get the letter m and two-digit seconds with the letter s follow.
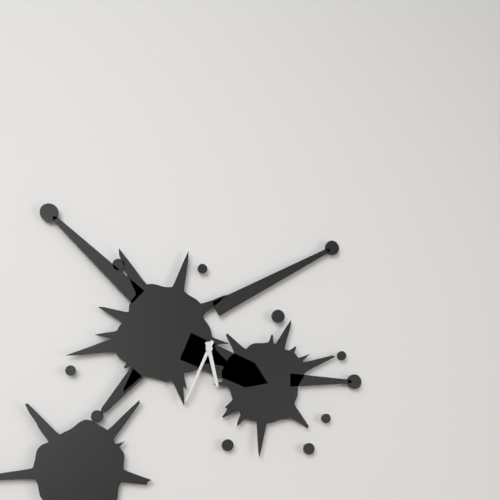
5h34
